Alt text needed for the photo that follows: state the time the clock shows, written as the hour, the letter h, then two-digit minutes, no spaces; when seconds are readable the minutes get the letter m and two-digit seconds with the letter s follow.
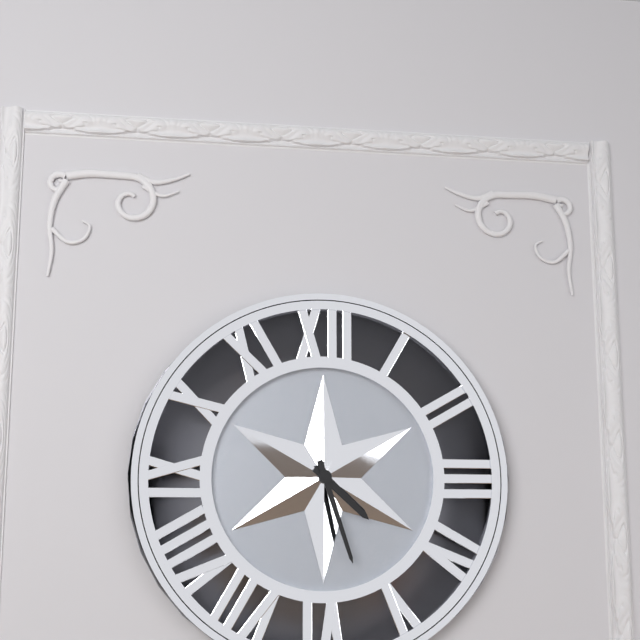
4h27
